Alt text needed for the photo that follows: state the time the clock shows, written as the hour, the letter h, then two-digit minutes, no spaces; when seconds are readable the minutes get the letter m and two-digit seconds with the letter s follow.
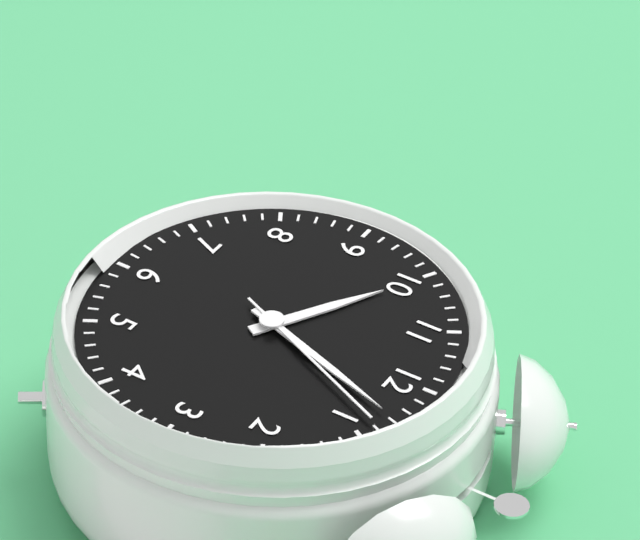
10h03m04s
